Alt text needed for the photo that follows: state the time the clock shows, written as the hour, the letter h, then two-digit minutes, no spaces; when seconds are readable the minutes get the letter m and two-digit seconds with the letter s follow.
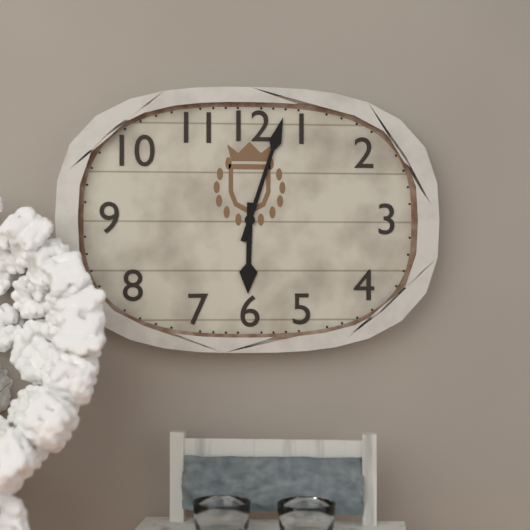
6h03
